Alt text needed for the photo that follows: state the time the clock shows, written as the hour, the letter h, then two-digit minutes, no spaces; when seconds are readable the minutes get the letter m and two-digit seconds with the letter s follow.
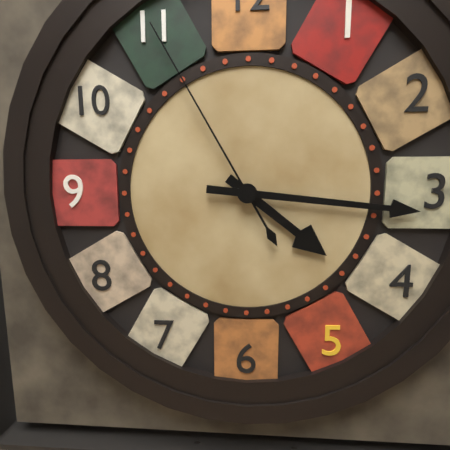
4h16m55s
